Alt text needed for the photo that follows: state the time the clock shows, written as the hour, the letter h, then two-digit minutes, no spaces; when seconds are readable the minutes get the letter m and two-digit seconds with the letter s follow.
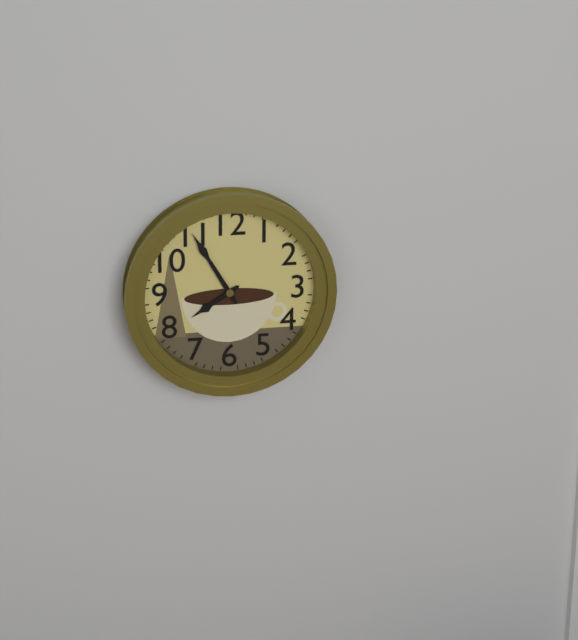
7h55
